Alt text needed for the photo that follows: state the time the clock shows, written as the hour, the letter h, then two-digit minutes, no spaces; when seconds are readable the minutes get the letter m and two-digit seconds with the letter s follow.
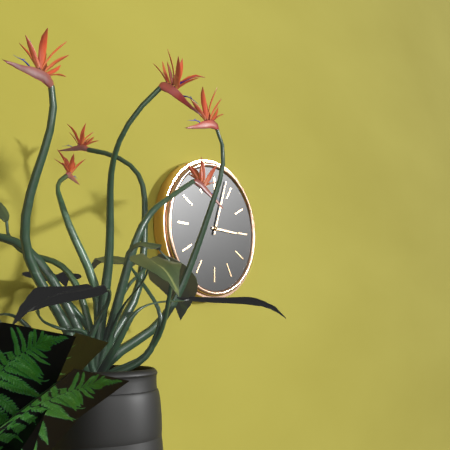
3h03
